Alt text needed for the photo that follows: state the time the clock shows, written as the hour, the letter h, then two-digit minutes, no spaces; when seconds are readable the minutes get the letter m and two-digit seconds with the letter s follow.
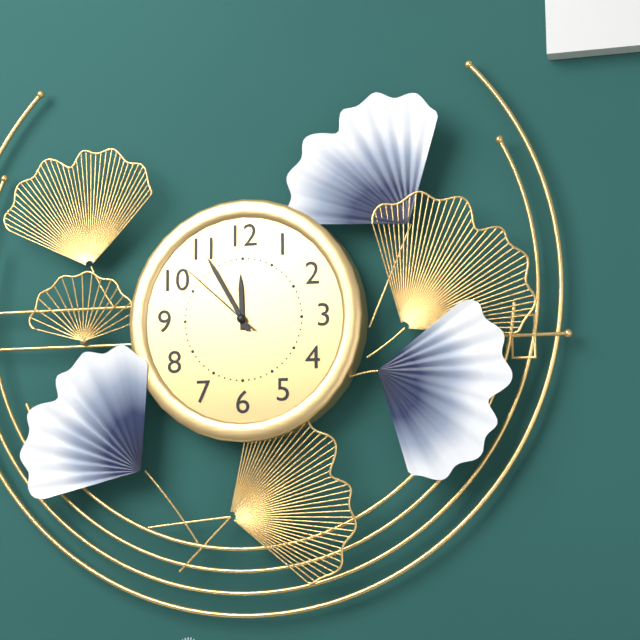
11h55m52s
